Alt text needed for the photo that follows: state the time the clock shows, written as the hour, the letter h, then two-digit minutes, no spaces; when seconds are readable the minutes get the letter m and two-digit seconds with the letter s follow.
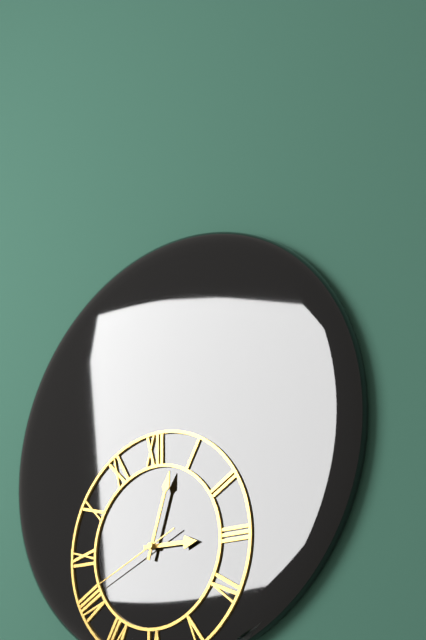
3h03m41s
